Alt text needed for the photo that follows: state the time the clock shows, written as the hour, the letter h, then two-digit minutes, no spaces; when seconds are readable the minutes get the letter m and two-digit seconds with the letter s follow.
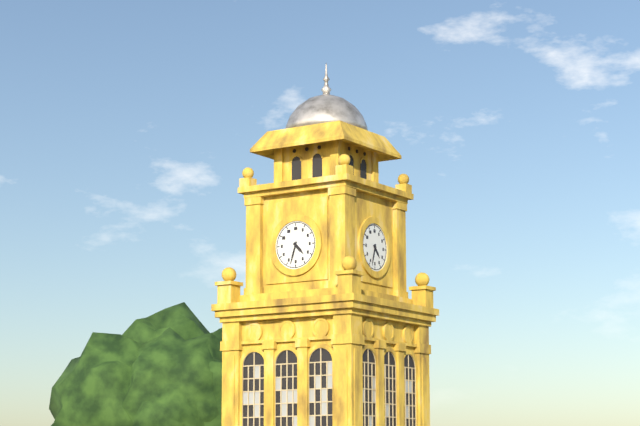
4h33
